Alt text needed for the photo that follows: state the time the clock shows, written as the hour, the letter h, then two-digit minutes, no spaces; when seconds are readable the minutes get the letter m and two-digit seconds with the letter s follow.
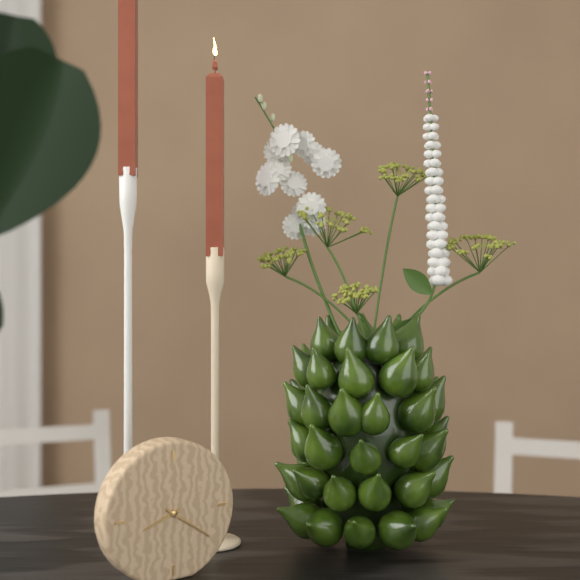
8h21
